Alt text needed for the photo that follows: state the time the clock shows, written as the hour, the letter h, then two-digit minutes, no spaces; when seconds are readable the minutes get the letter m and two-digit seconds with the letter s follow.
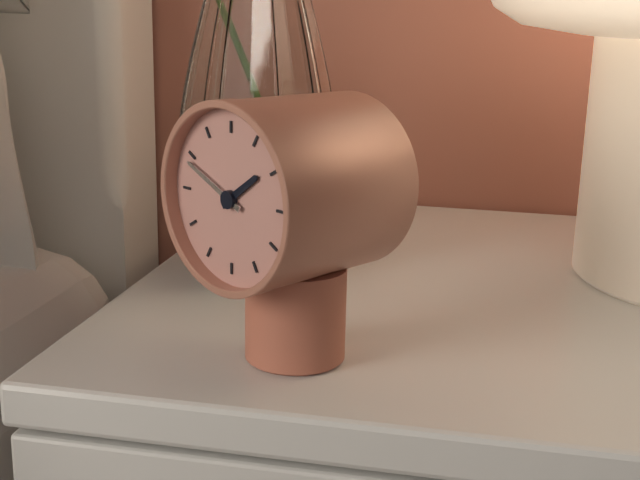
1h49
